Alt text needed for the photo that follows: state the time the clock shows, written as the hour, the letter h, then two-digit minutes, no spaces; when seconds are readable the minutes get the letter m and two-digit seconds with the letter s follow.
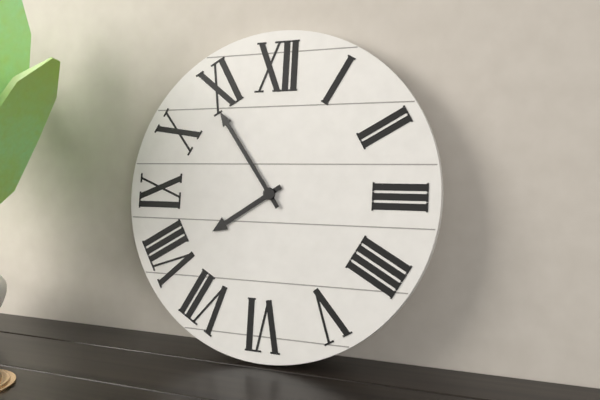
7h54
